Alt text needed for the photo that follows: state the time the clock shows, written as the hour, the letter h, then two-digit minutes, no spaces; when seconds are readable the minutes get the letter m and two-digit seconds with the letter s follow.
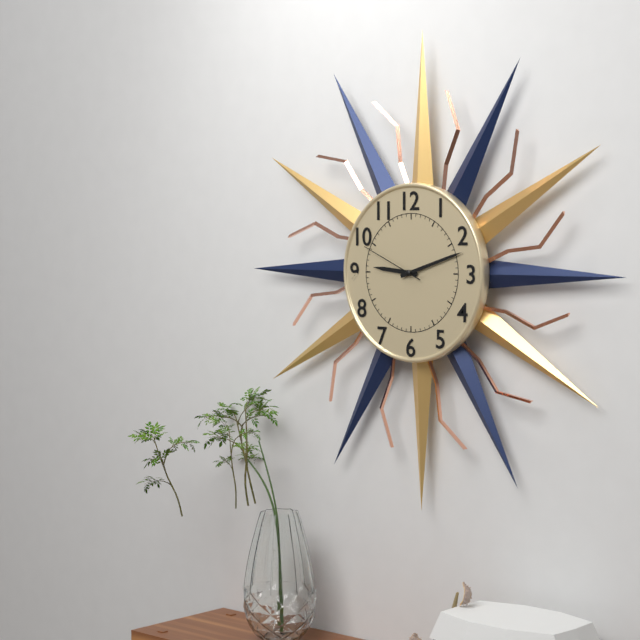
9h12m49s
